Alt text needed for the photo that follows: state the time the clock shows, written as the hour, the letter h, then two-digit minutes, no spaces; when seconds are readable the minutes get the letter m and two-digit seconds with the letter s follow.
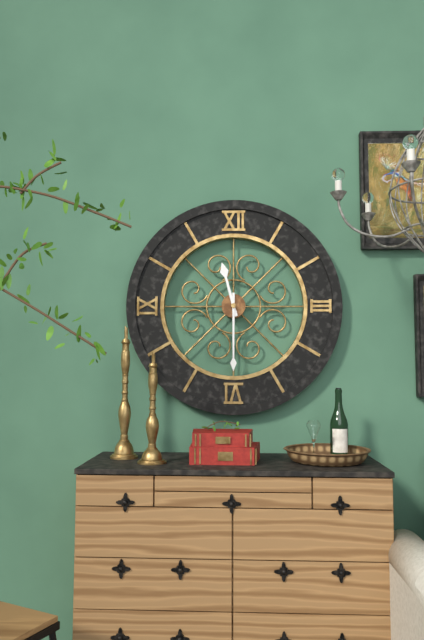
11h30
